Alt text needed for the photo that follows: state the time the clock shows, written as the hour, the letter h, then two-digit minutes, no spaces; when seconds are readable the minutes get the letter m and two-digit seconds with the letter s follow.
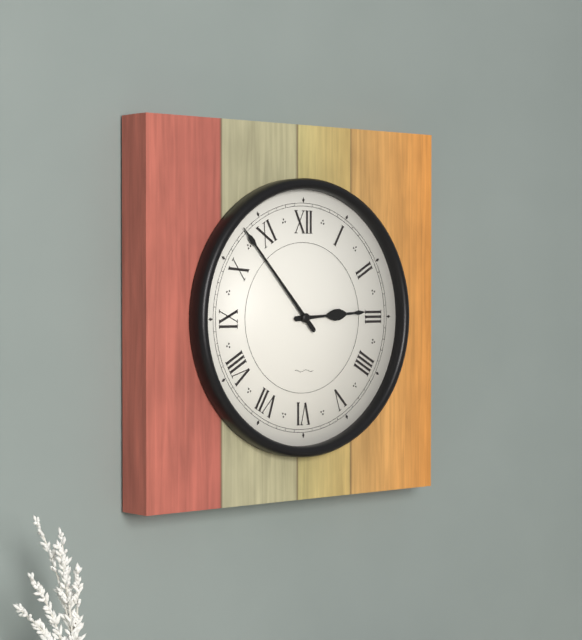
2h53
